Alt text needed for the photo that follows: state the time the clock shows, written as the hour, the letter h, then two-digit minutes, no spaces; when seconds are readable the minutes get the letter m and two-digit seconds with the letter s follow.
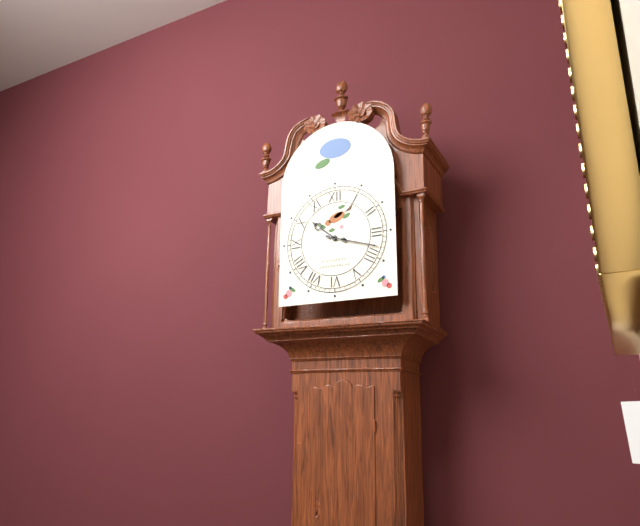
10h18
